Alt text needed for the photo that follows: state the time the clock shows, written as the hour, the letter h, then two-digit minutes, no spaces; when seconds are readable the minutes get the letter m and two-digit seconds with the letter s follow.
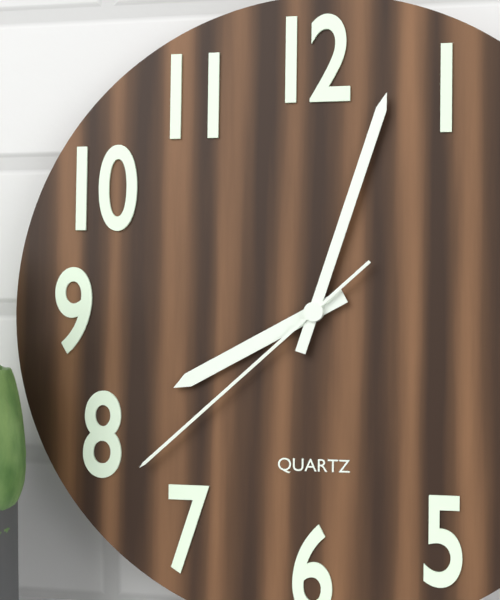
8h03m38s
